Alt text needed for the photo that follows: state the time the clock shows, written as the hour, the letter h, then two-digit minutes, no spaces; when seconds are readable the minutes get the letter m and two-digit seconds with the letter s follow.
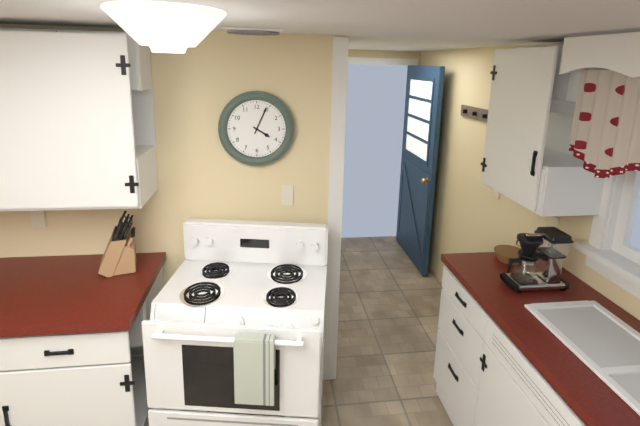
4h04
